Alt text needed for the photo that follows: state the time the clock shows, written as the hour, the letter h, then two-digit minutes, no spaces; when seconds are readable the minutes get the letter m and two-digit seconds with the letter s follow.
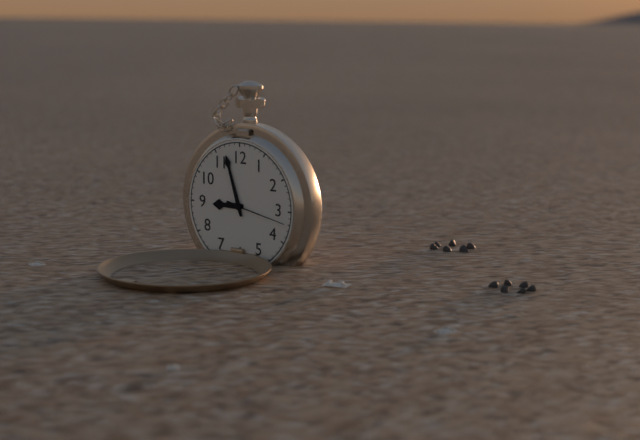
8h57m17s
